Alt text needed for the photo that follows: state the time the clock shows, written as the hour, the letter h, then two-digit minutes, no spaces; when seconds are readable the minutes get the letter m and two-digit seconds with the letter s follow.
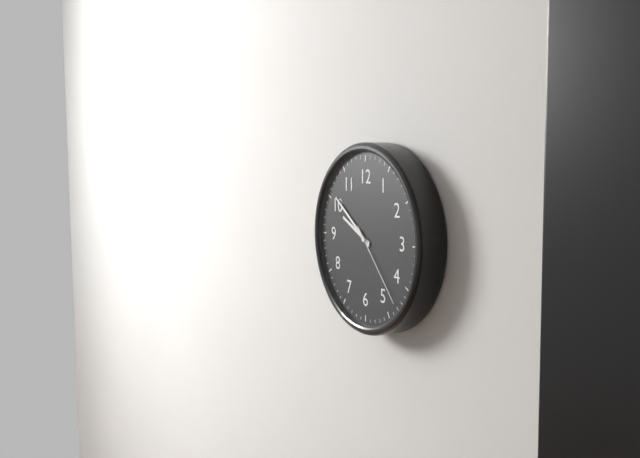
9h51m23s
